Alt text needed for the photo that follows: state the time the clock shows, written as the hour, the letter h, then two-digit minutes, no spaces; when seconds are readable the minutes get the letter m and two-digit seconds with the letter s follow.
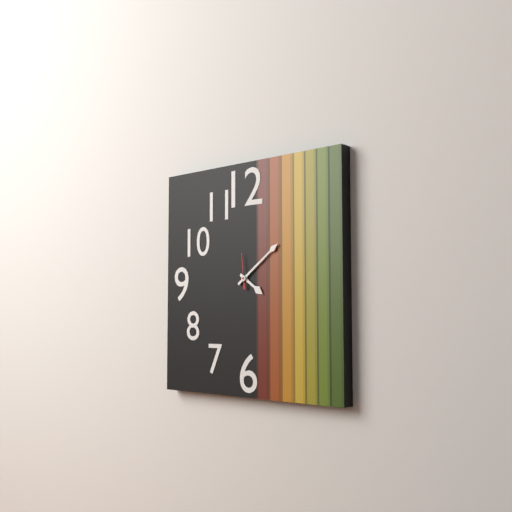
4h09
